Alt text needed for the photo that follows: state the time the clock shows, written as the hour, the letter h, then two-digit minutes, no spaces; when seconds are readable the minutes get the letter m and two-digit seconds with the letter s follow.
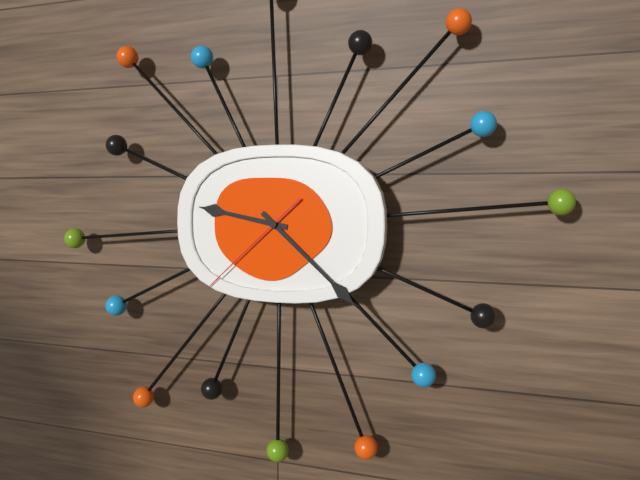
9h22m38s
